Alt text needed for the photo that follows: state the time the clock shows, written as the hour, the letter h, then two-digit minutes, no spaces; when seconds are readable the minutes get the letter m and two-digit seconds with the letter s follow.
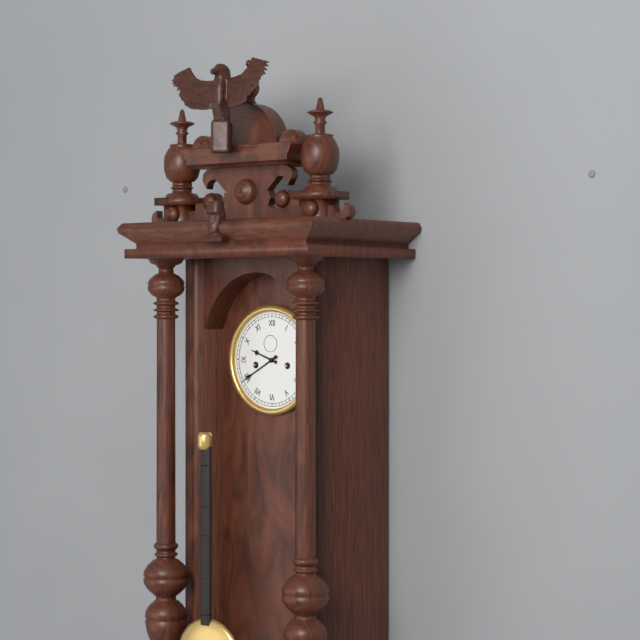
9h40
